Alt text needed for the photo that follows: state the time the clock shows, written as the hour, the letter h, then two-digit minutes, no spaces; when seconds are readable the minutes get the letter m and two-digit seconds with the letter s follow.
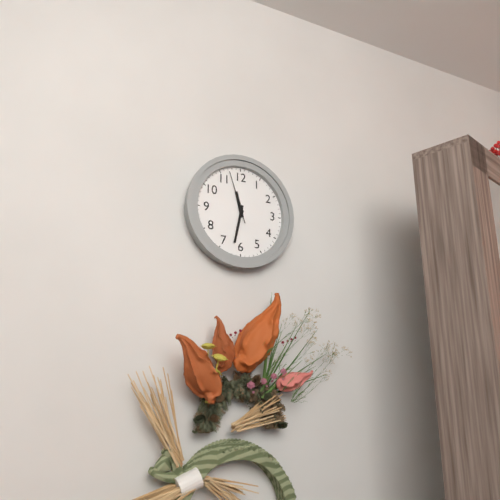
11h32m57s
